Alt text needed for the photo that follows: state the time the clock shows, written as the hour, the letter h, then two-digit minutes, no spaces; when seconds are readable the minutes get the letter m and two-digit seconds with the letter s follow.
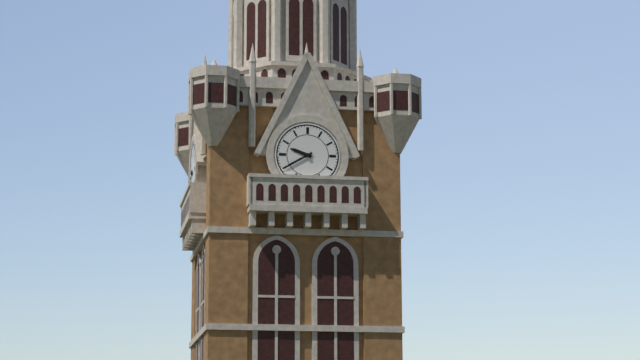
9h40
